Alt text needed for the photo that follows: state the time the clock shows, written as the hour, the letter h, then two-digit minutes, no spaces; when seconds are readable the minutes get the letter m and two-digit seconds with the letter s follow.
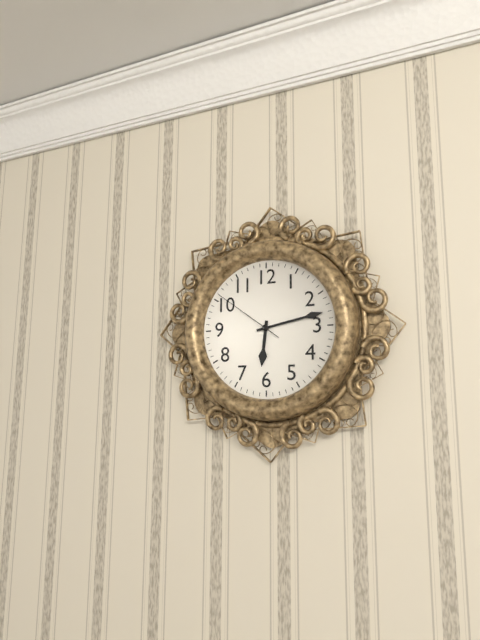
6h13m51s
